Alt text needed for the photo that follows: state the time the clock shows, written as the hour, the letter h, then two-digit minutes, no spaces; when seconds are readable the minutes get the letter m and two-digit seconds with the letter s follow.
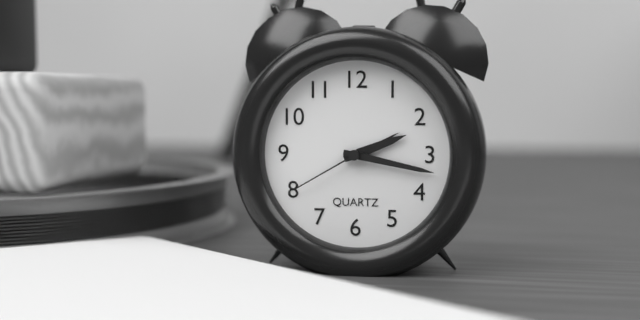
2h17m40s
